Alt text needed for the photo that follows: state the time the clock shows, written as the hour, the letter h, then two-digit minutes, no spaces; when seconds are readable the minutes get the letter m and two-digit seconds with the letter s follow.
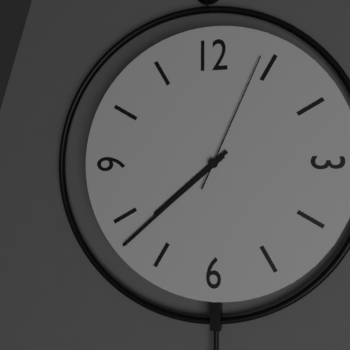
7h38m04s
